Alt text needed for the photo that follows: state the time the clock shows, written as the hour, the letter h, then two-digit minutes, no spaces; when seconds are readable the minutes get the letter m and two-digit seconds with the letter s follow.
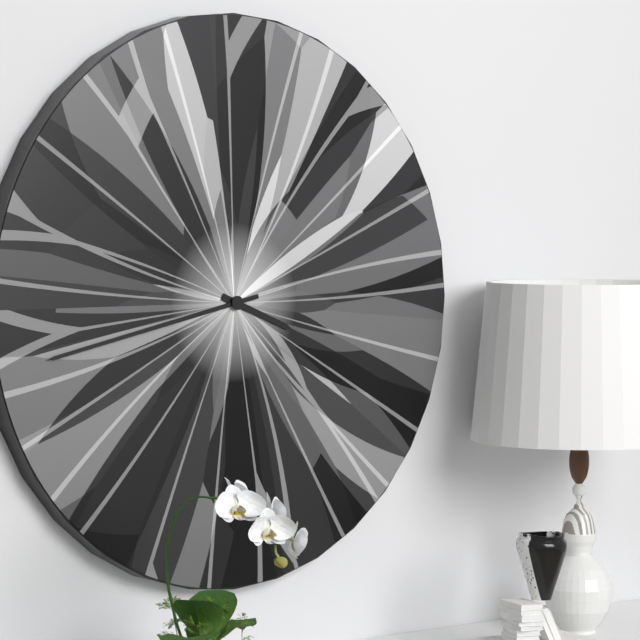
3h43
